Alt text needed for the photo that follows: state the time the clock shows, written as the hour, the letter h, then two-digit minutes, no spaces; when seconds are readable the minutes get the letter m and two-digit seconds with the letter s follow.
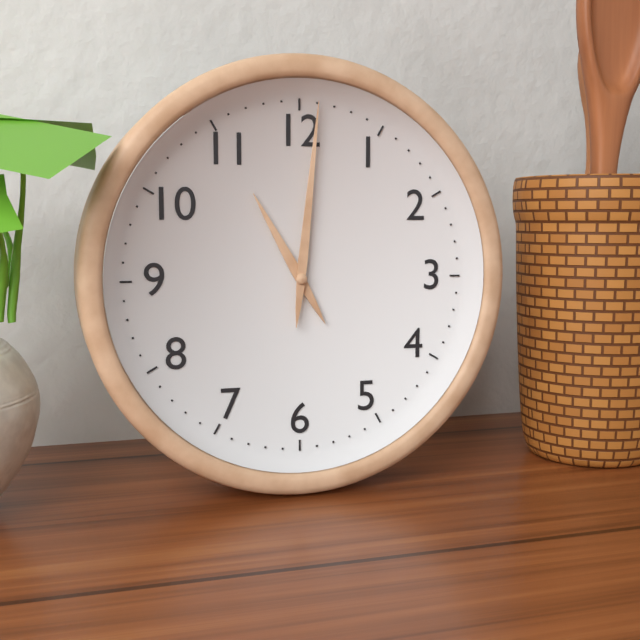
11h01
